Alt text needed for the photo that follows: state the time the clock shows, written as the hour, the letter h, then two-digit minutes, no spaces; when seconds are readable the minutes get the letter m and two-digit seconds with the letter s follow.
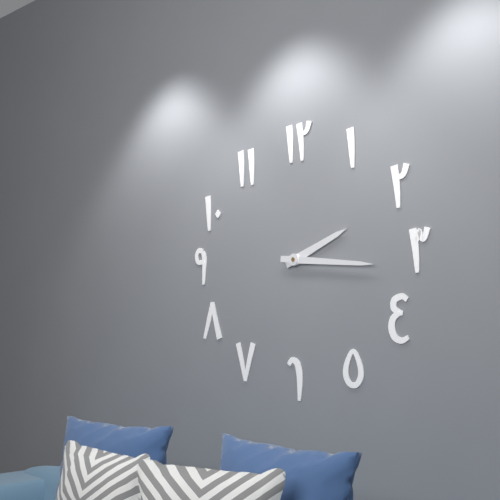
2h16
